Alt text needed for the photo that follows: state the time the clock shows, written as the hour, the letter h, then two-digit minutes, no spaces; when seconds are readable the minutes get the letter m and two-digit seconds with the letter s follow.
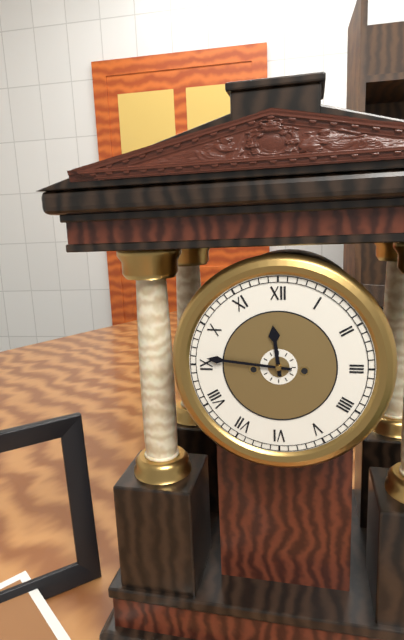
11h46
